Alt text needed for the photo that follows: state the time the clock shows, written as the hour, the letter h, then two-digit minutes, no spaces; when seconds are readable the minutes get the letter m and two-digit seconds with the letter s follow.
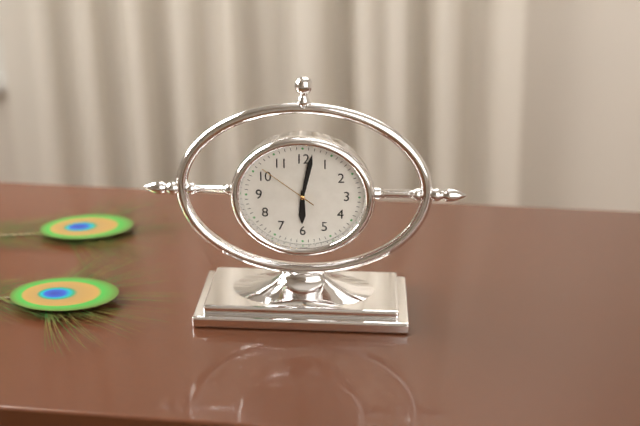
6h02m51s
